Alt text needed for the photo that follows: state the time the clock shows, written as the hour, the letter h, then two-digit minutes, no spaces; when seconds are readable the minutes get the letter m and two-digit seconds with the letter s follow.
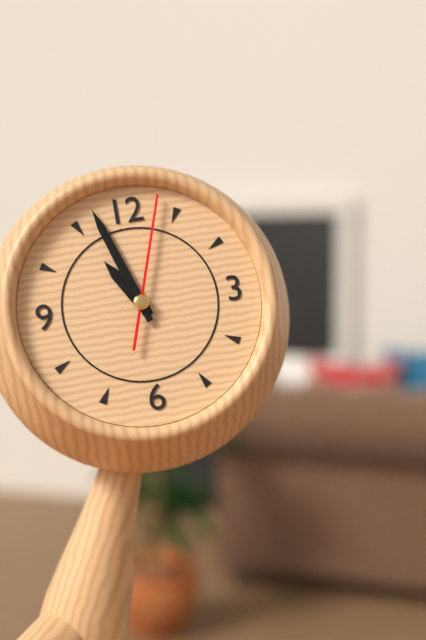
10h57m03s
